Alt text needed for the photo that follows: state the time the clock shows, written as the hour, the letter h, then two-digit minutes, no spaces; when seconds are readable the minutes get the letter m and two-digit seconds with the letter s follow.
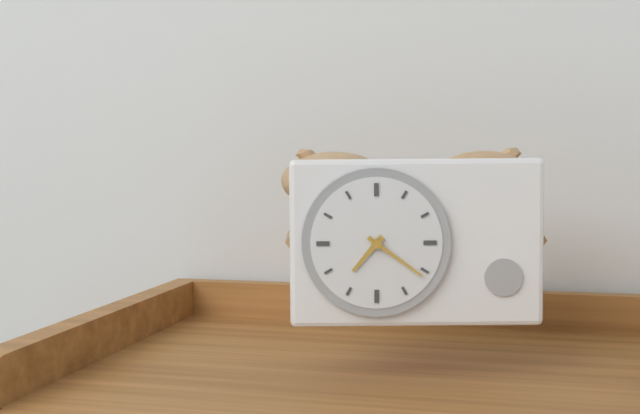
7h21
